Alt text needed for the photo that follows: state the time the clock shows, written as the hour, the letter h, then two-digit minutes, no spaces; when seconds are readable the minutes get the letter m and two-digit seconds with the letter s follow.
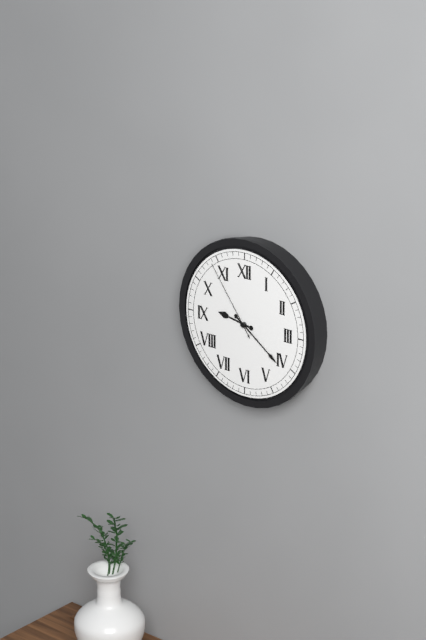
9h21m54s
